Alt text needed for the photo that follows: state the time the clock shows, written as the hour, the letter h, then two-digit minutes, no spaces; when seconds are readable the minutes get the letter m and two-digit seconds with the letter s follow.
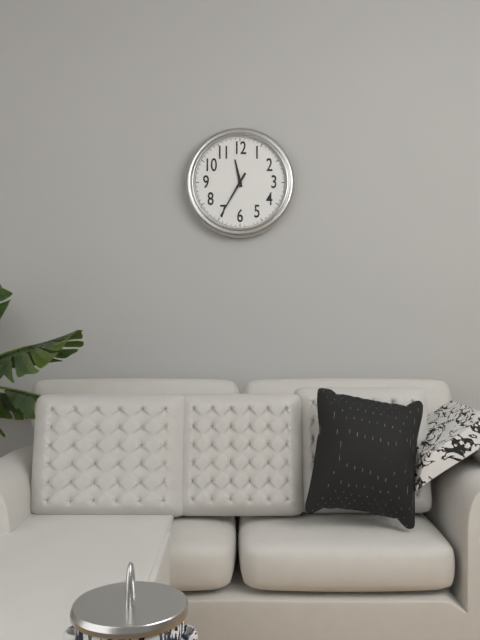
11h35
